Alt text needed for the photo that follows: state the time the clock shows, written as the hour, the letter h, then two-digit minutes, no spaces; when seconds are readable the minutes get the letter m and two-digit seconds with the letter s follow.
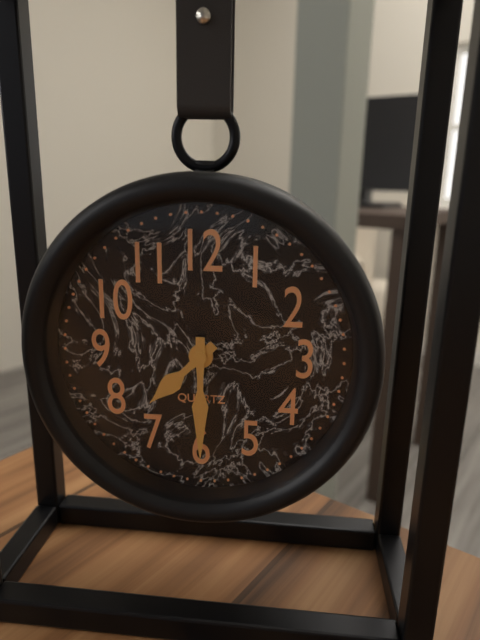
7h30
